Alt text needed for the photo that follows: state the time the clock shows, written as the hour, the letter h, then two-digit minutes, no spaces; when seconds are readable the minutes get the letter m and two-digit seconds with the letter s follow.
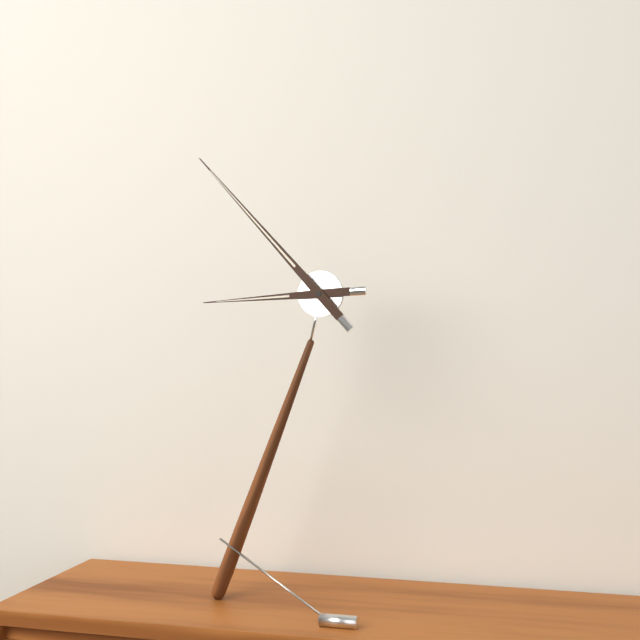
8h53
